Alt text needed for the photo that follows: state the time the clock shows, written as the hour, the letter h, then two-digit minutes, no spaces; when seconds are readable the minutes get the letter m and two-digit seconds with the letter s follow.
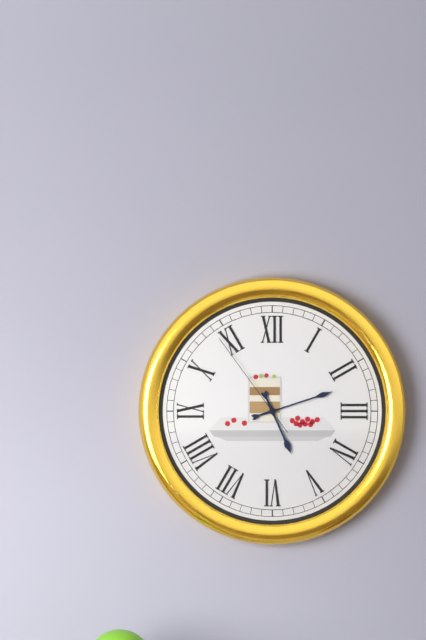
5h12m54s
